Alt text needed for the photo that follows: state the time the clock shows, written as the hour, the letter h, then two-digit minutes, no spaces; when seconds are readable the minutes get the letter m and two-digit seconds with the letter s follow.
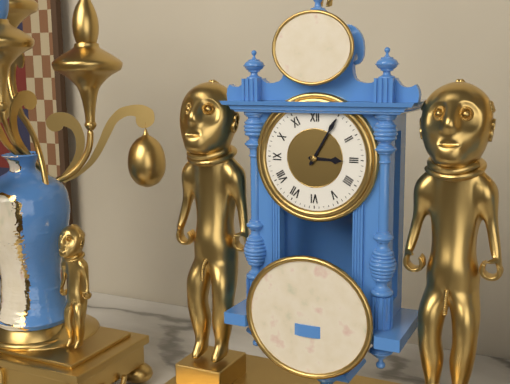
3h05
